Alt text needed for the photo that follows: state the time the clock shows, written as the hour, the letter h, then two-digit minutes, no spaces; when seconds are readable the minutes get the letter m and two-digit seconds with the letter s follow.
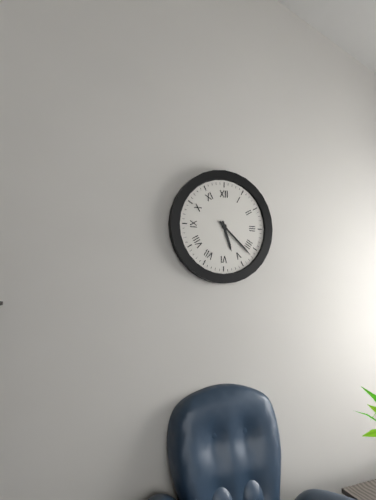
5h22
